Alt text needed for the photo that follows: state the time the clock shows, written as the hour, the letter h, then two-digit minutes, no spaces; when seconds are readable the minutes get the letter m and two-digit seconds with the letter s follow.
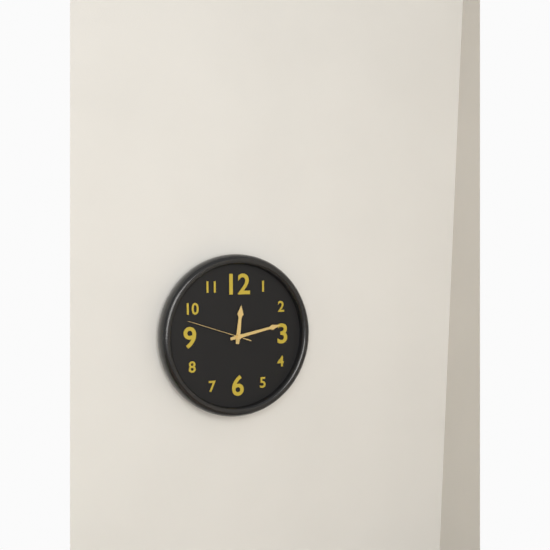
12h13m48s
